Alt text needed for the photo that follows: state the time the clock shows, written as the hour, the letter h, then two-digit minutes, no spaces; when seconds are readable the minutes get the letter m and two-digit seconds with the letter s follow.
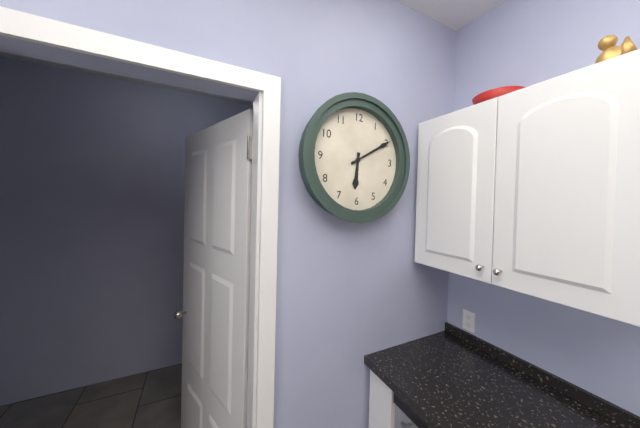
6h10
